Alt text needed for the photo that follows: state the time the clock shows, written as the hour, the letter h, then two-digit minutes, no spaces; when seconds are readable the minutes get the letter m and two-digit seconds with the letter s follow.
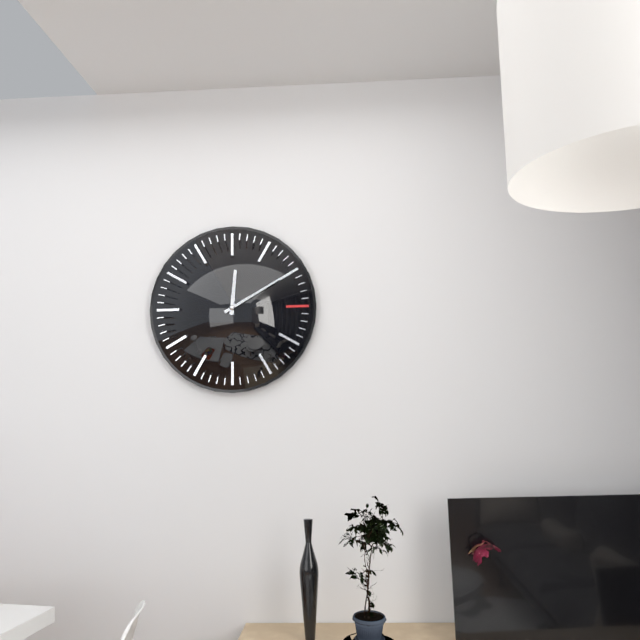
12h10
